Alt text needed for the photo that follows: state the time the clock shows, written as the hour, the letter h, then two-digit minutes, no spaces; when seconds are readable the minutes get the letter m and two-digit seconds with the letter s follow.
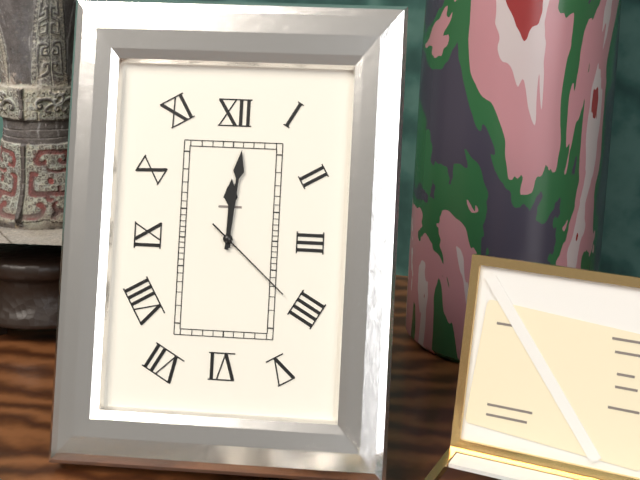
12h01m22s
